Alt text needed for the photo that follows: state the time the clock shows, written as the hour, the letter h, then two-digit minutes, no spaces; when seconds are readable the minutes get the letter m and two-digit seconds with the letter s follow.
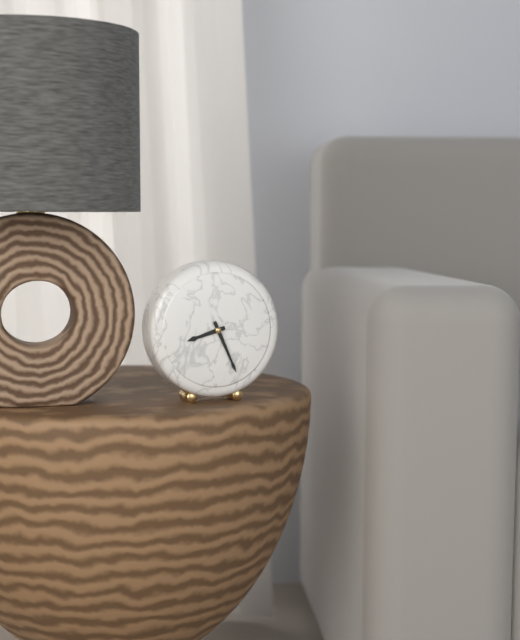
8h26
